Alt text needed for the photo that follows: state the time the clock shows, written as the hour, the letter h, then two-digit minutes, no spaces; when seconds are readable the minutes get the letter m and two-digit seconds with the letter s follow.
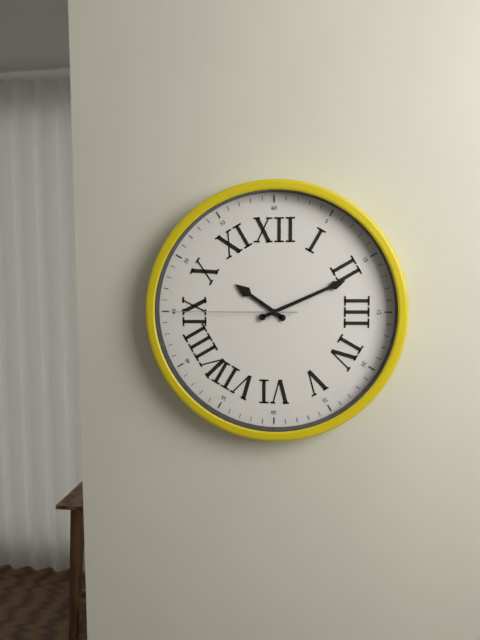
10h11m45s
